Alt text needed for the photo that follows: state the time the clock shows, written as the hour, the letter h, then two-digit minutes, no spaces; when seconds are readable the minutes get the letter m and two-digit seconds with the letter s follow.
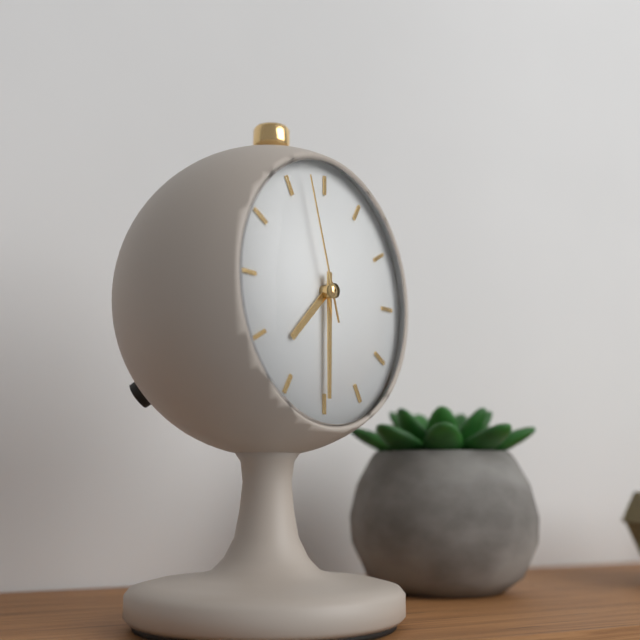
7h30m57s
